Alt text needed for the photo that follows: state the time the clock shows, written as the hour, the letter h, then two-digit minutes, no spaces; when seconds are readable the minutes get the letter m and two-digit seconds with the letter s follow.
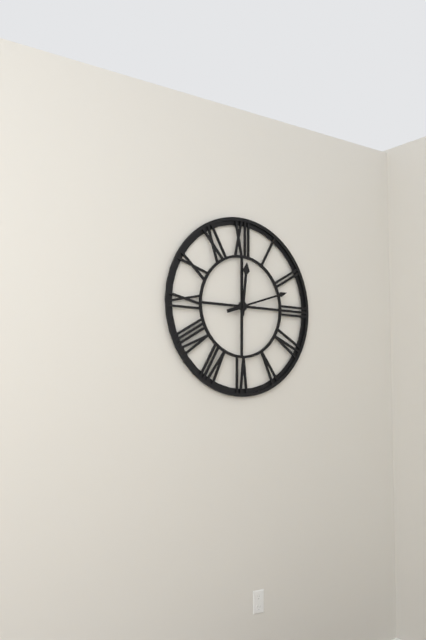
12h12
